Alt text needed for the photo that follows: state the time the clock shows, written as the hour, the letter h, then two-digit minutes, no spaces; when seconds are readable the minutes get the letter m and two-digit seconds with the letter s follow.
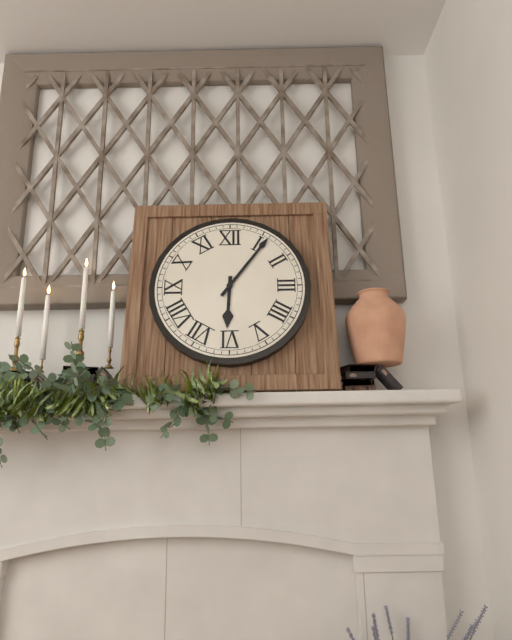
6h06
